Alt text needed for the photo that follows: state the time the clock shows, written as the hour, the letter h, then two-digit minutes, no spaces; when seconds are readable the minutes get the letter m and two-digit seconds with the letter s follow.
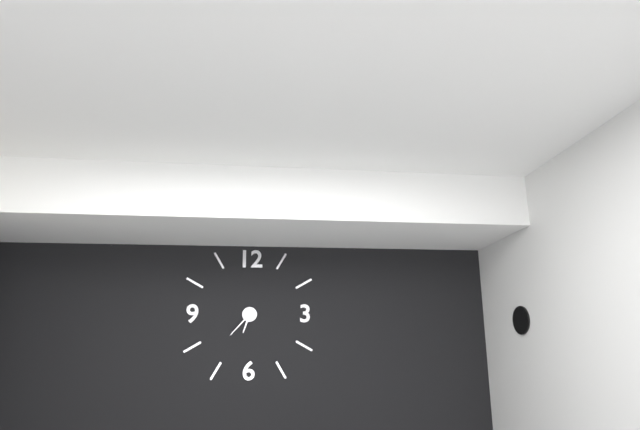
6h37
